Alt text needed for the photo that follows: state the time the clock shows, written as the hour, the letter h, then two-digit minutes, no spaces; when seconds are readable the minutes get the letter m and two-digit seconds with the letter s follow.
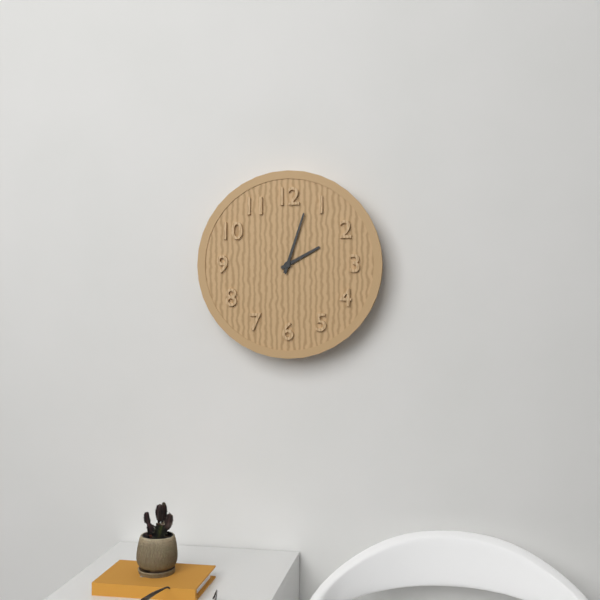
2h03
